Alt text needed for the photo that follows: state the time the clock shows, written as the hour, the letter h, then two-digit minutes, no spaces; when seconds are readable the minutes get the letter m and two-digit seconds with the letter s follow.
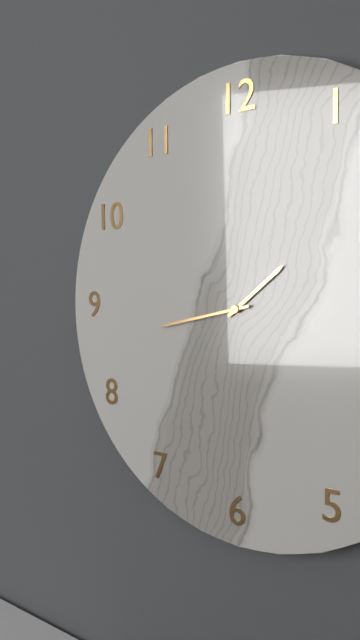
1h43
